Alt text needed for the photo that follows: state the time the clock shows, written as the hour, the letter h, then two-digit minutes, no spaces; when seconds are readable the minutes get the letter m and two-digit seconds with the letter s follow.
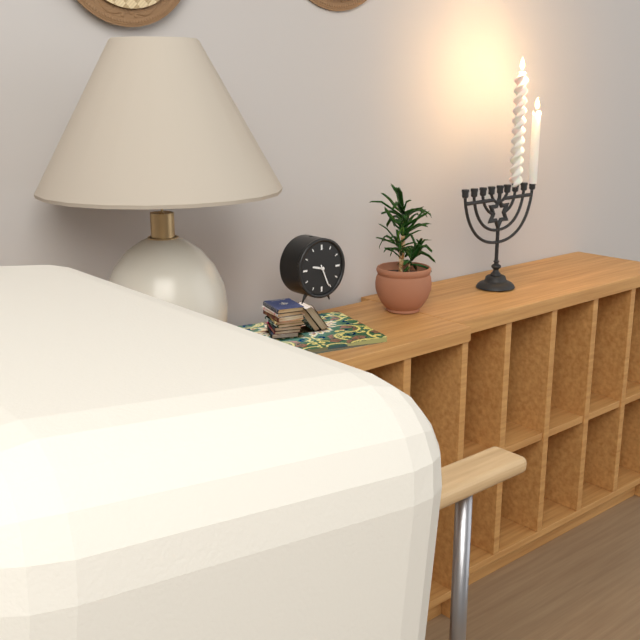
9h26
